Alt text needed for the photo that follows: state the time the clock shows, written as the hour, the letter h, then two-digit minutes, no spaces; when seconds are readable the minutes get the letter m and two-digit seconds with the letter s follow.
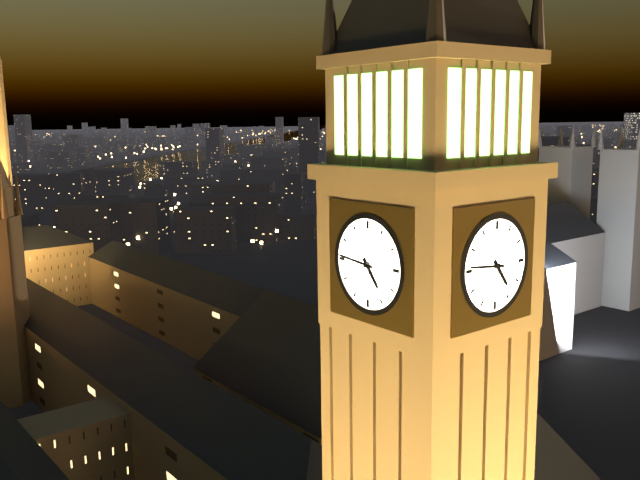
4h46
